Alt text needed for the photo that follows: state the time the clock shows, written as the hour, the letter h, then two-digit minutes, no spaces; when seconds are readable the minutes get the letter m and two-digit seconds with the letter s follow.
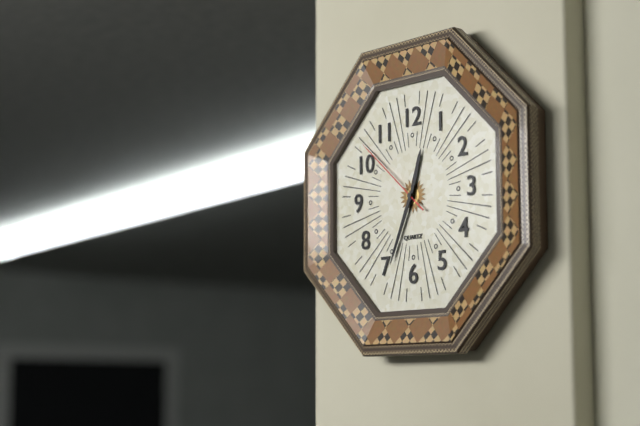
12h34m52s
